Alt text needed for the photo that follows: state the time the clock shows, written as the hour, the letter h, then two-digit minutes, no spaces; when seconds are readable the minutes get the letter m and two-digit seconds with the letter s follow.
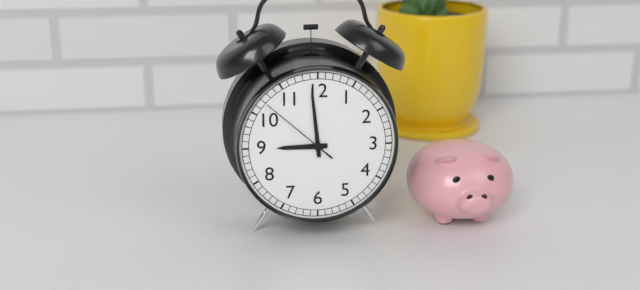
8h59m52s
